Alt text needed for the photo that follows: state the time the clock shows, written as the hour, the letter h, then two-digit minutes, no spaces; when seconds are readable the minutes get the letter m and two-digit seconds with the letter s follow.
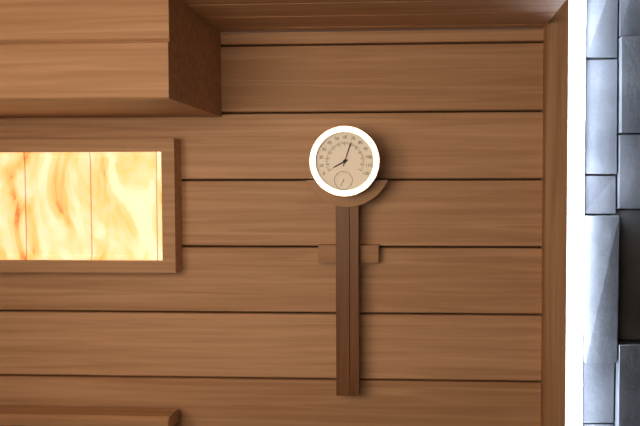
8h03
